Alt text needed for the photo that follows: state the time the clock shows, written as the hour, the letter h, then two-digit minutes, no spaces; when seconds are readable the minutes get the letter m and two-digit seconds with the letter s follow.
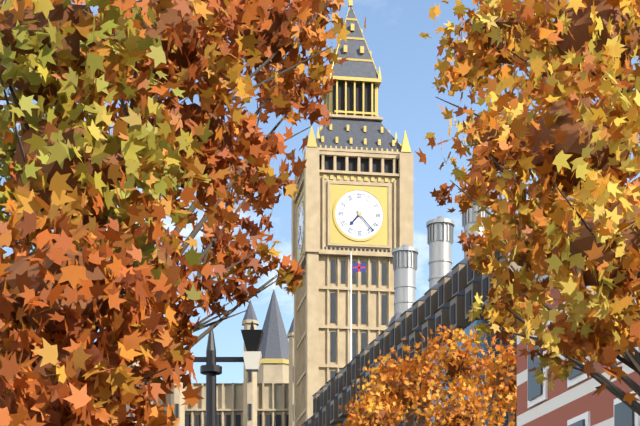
7h23
